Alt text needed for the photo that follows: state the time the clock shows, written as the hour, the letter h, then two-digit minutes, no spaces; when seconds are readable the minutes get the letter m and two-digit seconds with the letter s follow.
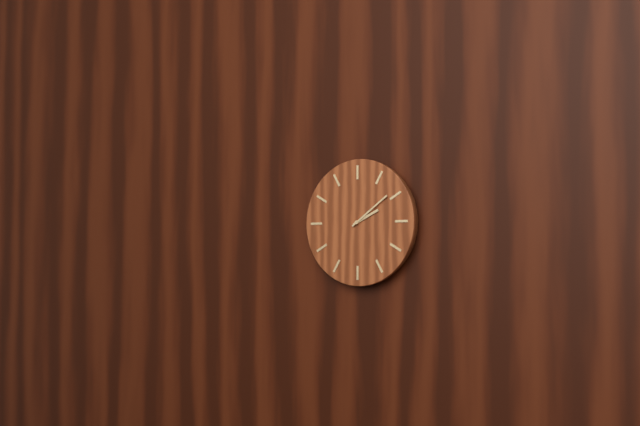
2h09
